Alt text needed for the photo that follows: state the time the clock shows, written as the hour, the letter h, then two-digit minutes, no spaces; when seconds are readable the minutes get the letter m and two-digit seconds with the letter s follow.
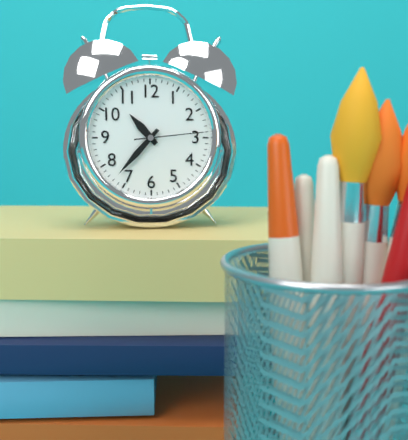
10h37m14s
